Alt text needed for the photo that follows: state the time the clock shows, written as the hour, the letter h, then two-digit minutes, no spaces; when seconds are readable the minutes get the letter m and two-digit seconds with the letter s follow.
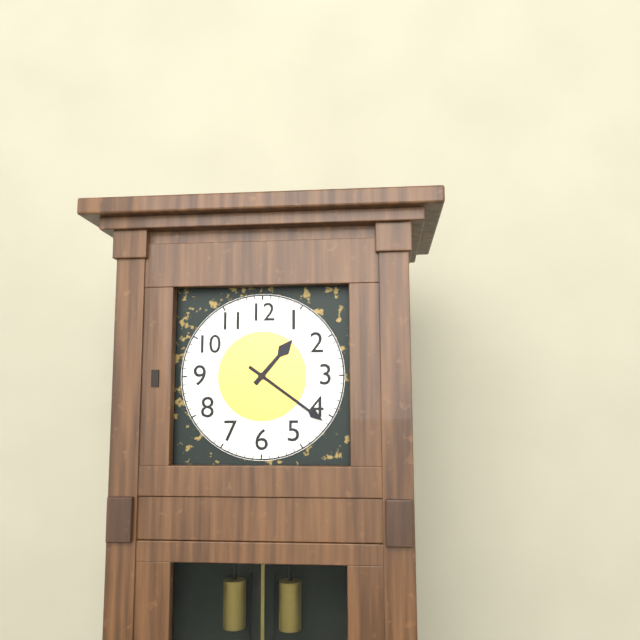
1h21
